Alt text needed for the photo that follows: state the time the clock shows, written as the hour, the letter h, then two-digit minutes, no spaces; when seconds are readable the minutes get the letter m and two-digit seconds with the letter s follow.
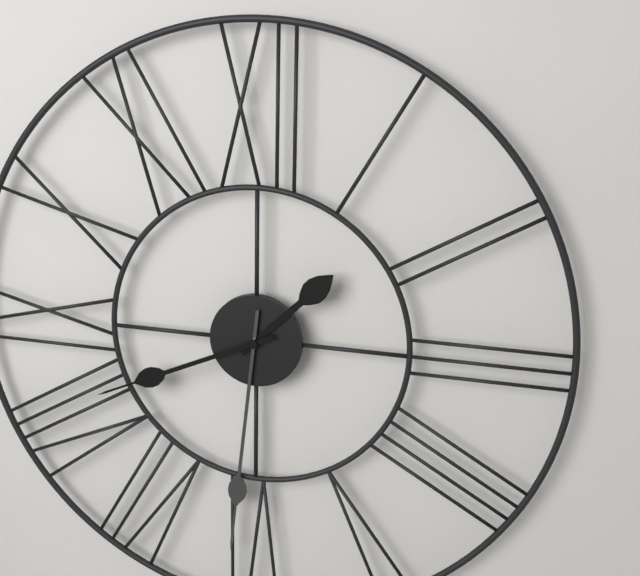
1h31m41s
